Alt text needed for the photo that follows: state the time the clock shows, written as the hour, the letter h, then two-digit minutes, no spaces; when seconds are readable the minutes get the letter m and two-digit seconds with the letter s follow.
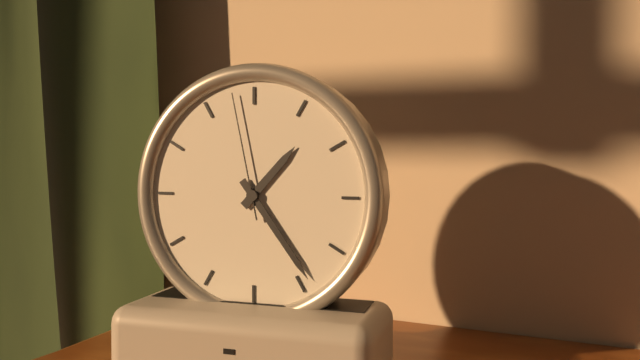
1h24m58s
